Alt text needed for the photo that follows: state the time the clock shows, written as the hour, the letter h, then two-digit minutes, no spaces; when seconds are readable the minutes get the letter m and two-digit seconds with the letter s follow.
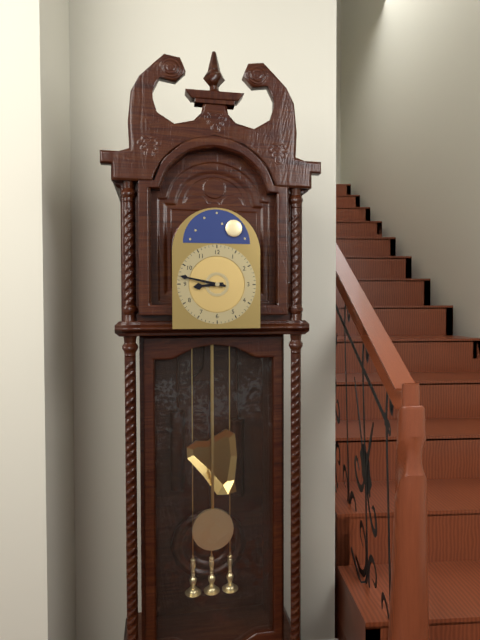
8h47
